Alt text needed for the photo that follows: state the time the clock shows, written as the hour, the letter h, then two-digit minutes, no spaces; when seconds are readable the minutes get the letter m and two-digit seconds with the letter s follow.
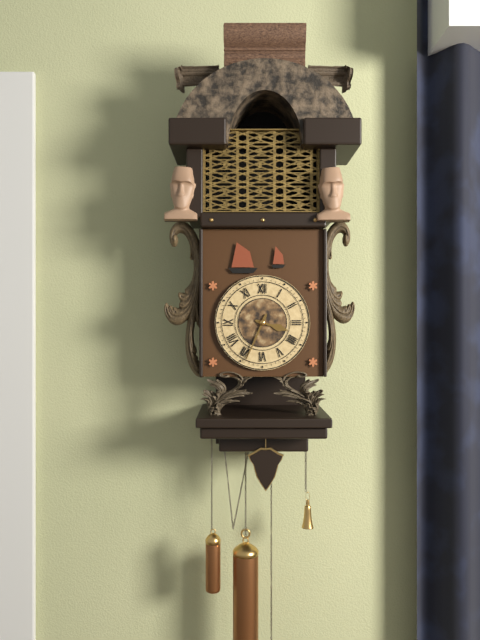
3h34
